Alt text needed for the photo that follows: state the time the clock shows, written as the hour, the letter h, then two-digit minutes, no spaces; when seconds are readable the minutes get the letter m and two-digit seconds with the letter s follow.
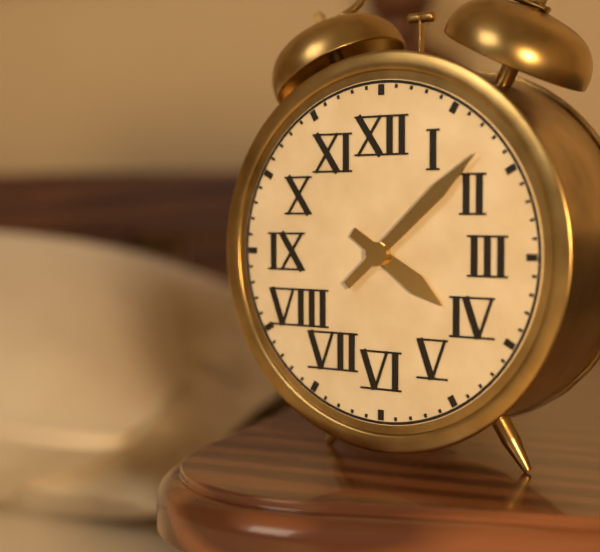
4h08
